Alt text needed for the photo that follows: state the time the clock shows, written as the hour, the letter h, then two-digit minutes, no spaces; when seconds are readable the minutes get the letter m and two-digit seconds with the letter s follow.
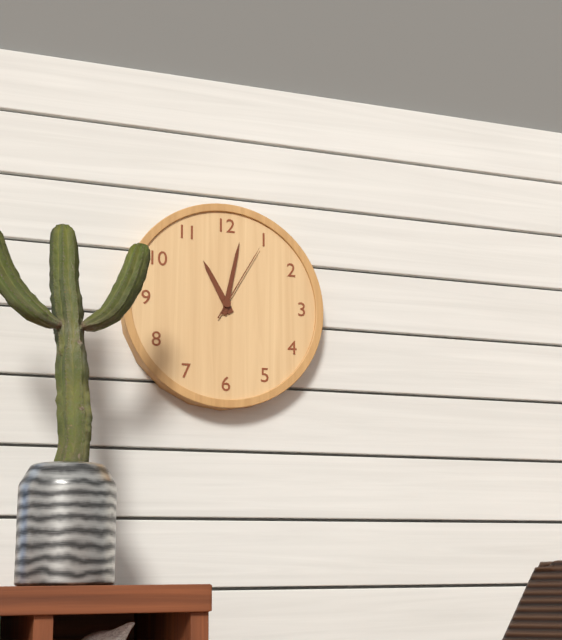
11h02m05s
